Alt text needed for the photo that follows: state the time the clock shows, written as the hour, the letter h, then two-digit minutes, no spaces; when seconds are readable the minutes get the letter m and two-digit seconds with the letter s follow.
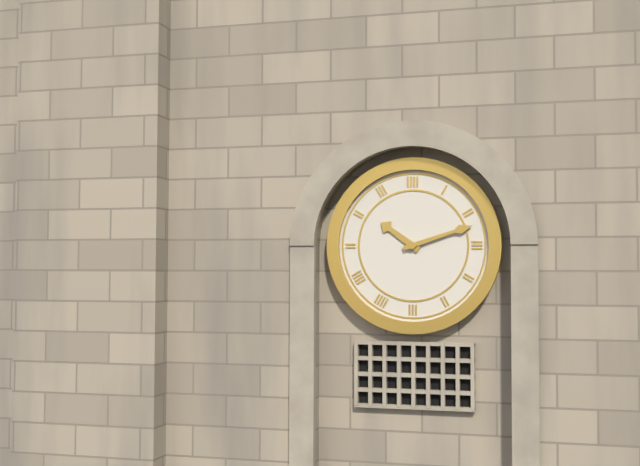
10h12
